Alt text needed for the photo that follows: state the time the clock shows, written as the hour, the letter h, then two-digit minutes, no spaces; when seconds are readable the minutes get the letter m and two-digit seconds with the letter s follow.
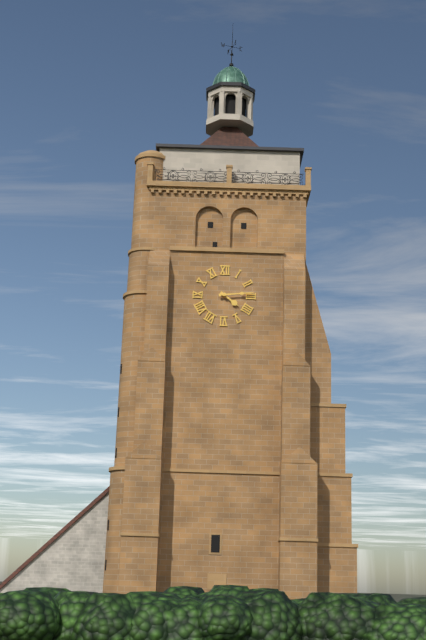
4h14
